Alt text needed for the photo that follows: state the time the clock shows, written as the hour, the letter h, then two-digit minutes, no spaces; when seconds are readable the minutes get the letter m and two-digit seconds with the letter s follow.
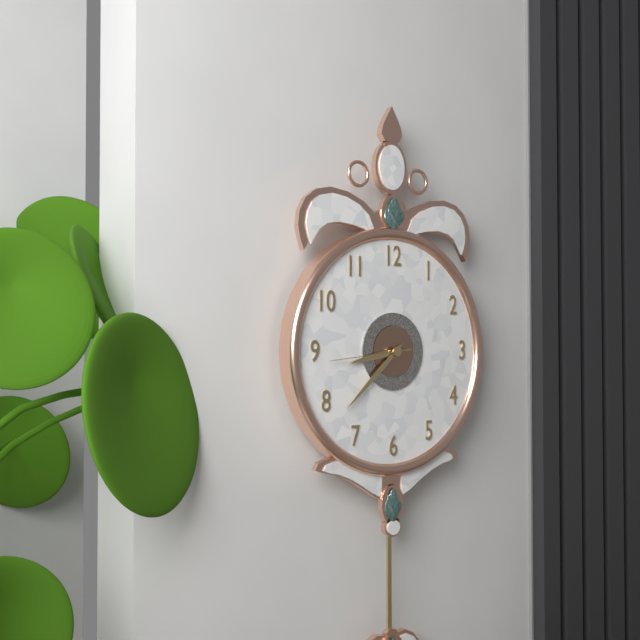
8h38m44s
